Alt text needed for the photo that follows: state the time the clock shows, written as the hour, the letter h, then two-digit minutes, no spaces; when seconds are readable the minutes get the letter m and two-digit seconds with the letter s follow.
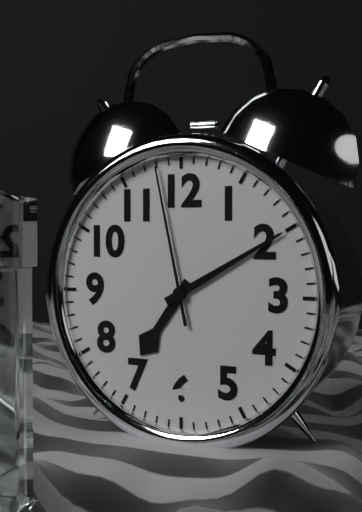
7h10m58s
